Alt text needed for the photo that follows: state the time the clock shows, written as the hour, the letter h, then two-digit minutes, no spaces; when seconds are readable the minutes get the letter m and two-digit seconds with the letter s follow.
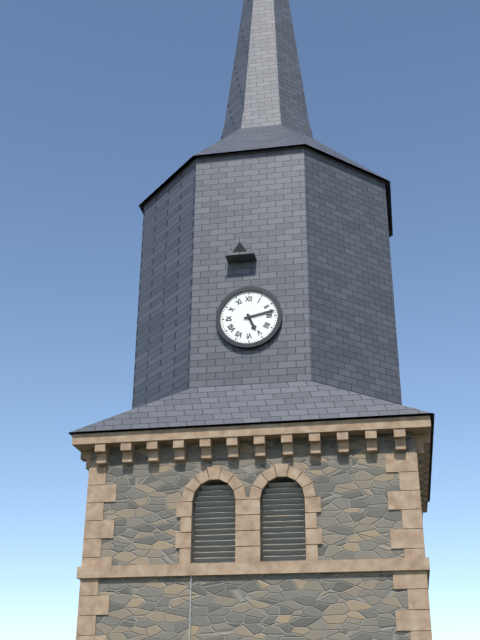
5h13
